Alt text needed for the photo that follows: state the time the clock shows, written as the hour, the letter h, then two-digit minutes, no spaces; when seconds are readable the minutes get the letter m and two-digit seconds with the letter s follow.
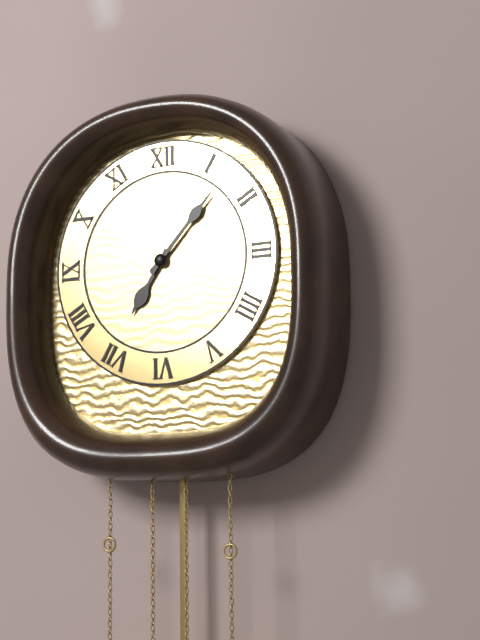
7h07
